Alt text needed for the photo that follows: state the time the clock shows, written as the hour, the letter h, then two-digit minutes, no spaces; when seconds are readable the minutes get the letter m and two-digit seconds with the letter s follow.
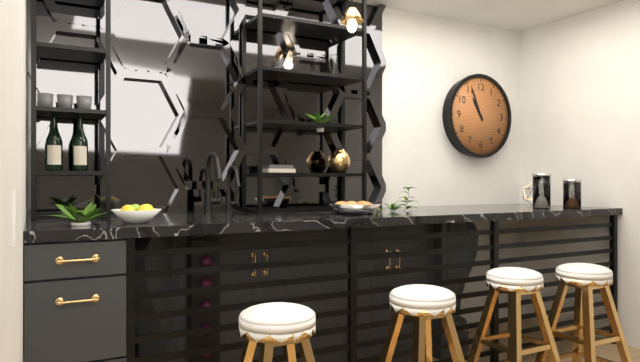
10h56
